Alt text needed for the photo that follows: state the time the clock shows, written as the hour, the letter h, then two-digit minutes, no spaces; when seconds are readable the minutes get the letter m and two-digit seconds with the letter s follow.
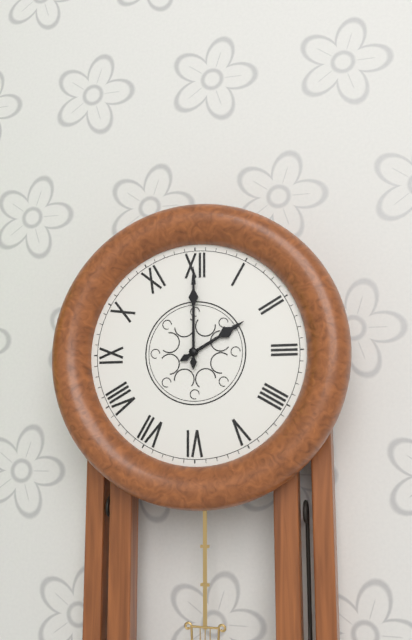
2h00
